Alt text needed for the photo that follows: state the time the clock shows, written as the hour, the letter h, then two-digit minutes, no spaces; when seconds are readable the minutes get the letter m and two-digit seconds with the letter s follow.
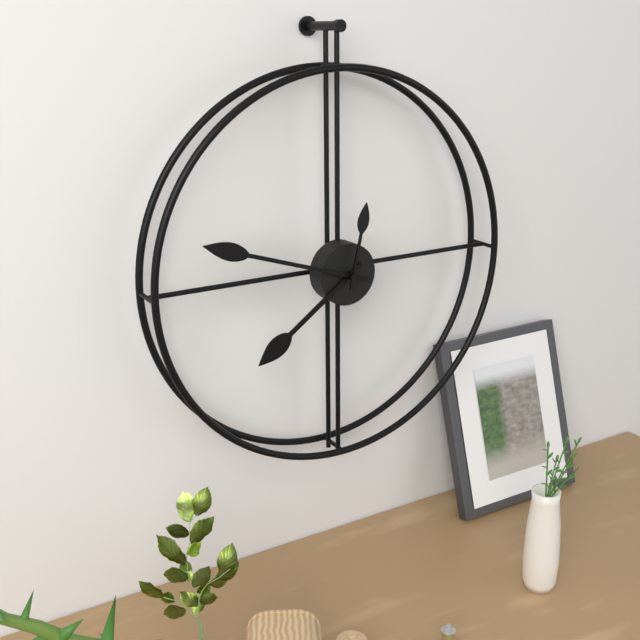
7h48m02s
